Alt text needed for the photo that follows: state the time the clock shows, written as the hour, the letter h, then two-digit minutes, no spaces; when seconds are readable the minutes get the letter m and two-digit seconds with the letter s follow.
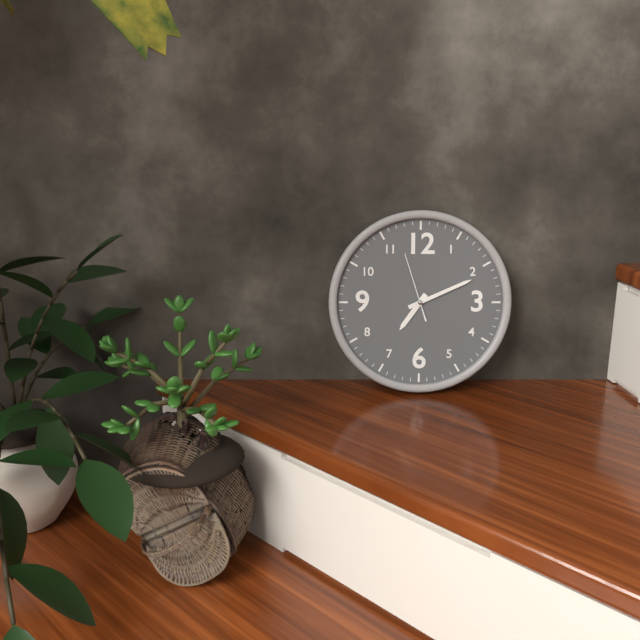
7h11m57s
